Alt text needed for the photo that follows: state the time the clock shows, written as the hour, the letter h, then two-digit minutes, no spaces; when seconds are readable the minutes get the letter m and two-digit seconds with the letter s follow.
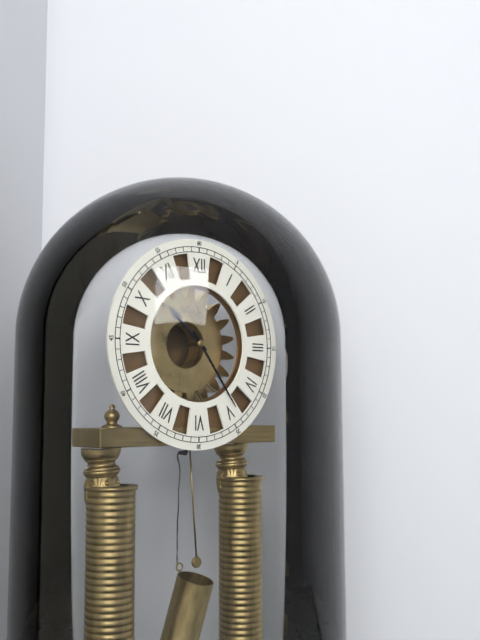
10h24
